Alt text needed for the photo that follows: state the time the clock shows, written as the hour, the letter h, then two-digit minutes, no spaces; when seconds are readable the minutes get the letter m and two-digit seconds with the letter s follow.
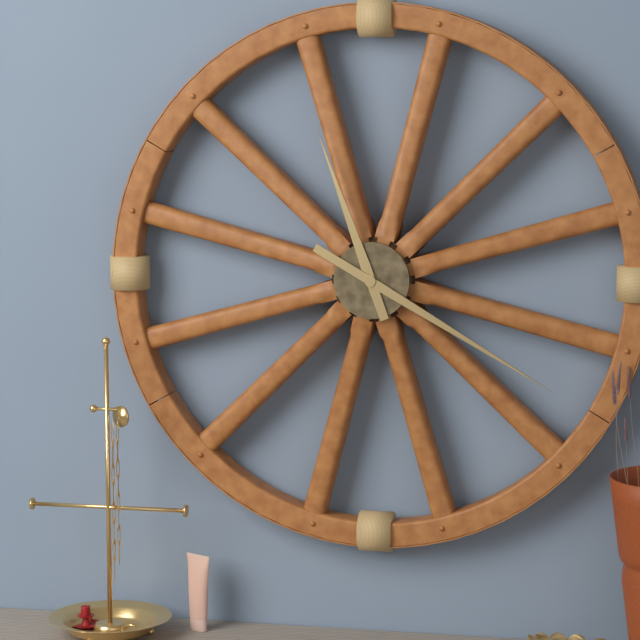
11h20
